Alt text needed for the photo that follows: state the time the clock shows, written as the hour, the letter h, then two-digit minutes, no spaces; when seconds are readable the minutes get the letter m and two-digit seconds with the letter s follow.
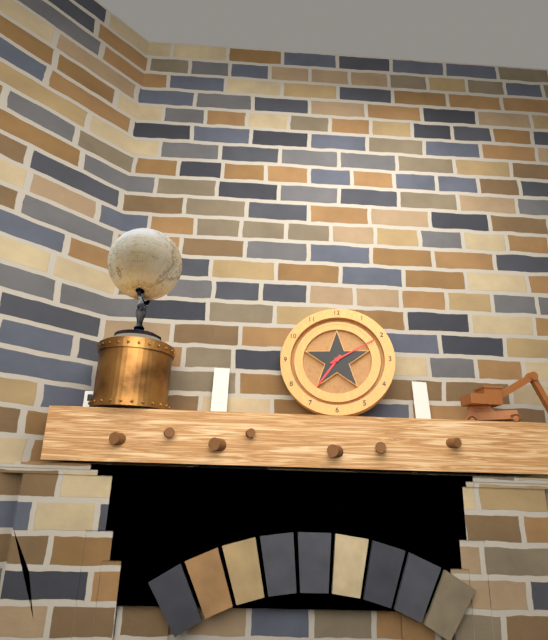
7h10
